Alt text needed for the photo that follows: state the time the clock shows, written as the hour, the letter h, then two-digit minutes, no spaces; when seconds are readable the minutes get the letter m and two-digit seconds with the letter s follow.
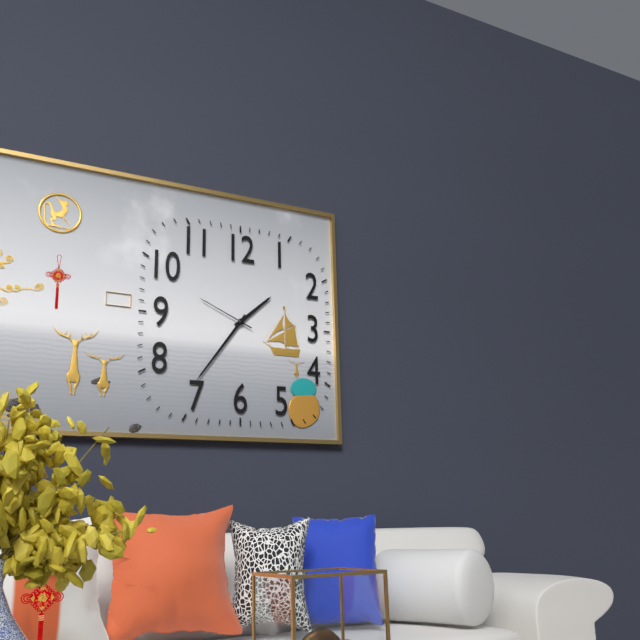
1h36m49s
